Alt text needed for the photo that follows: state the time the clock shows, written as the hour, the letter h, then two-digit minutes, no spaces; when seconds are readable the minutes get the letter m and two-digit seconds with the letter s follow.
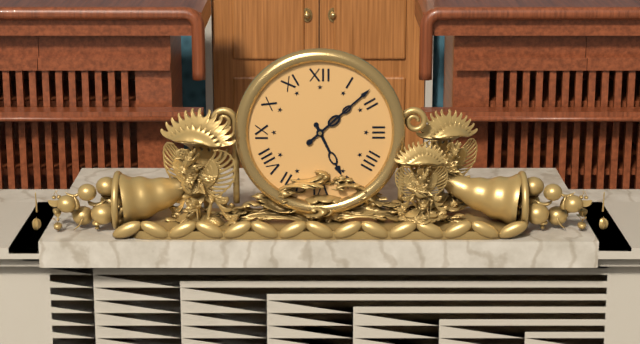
5h08
